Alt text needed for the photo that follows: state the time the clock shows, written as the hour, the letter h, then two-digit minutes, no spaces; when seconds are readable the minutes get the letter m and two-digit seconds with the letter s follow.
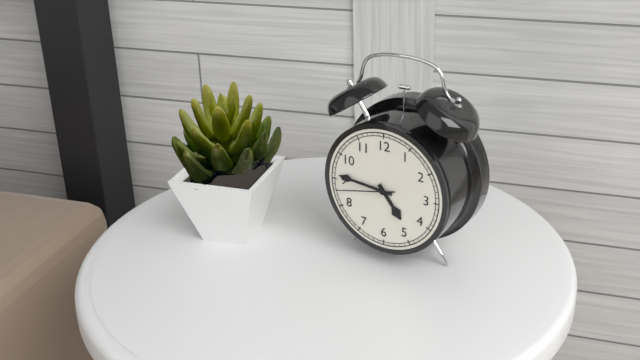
4h46m43s
